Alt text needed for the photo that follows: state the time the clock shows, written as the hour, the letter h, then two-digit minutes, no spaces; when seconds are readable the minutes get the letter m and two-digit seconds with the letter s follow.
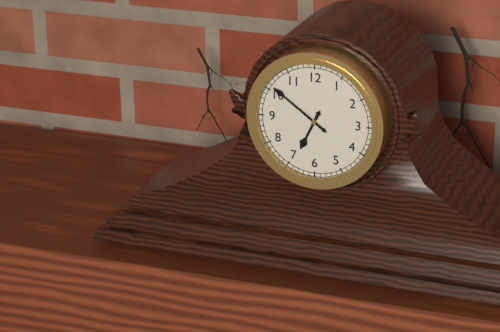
6h51
